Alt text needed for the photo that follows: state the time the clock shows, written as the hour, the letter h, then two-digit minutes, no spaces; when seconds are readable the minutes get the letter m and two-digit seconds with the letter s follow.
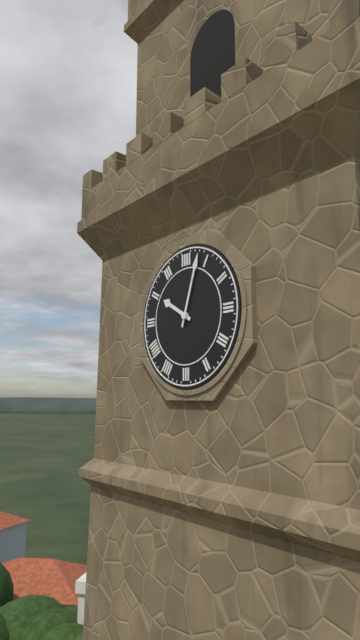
10h03
